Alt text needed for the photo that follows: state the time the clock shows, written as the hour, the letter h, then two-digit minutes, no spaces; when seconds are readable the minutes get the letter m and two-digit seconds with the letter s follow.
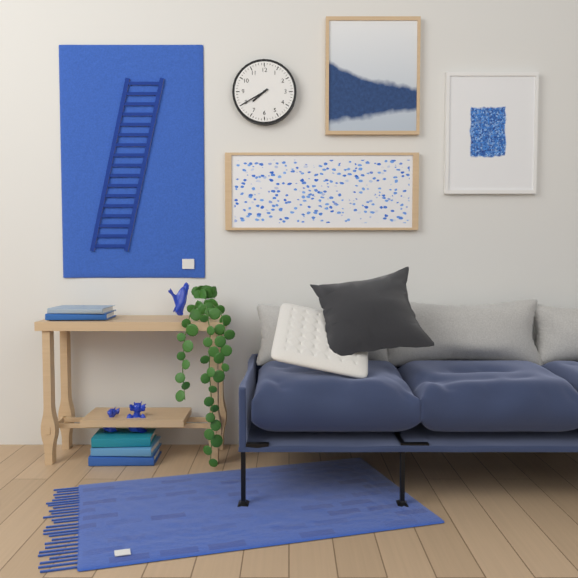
7h40
